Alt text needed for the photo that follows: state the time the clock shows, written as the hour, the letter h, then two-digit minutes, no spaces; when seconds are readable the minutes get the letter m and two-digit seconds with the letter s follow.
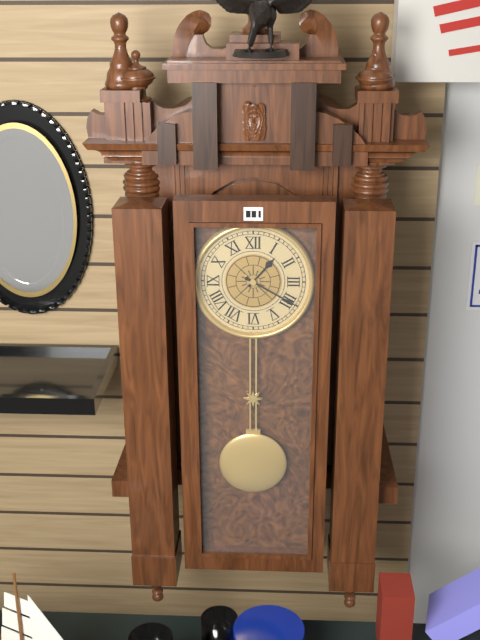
1h20
